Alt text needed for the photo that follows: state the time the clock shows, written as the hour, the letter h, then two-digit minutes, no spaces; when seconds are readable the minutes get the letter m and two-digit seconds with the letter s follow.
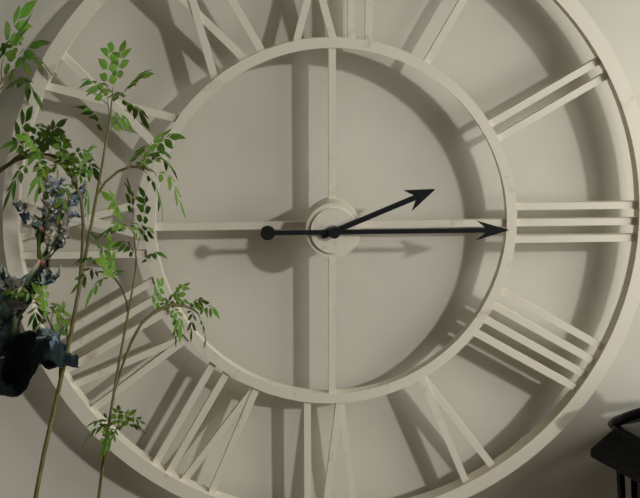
2h15
